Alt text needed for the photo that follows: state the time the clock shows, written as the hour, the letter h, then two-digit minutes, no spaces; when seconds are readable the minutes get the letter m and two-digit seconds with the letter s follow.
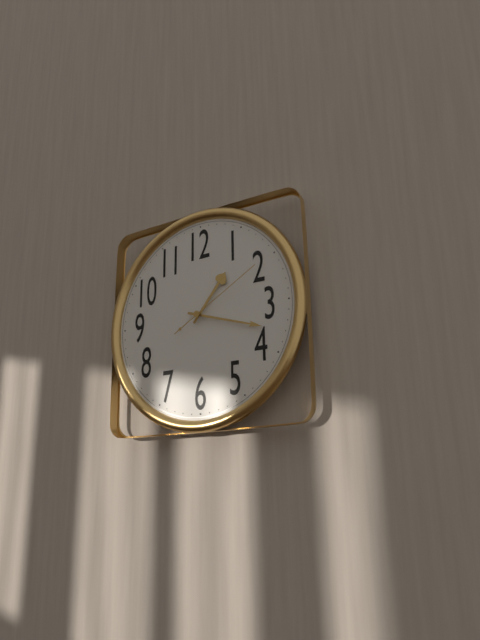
1h18m10s
